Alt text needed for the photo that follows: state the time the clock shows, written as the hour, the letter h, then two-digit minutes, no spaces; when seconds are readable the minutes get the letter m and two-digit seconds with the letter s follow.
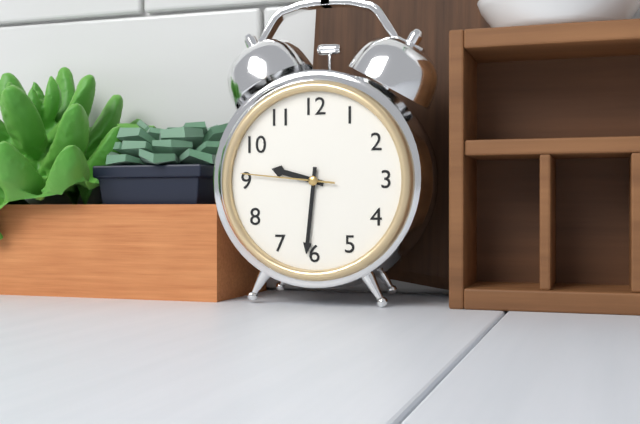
9h31m46s
